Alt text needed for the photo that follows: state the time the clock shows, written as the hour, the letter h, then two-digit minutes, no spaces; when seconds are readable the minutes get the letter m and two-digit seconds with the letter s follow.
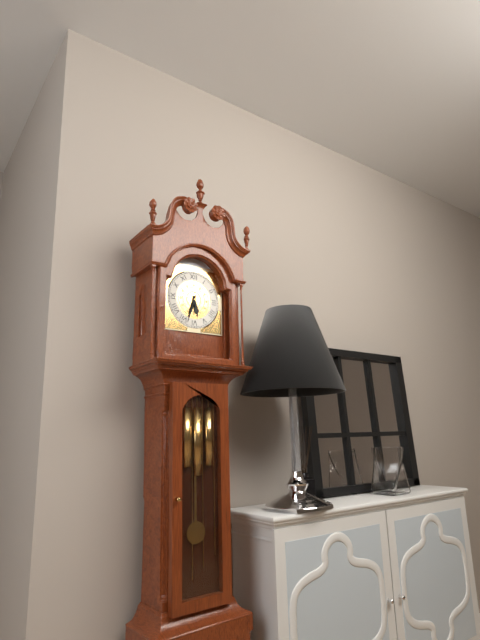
5h33
